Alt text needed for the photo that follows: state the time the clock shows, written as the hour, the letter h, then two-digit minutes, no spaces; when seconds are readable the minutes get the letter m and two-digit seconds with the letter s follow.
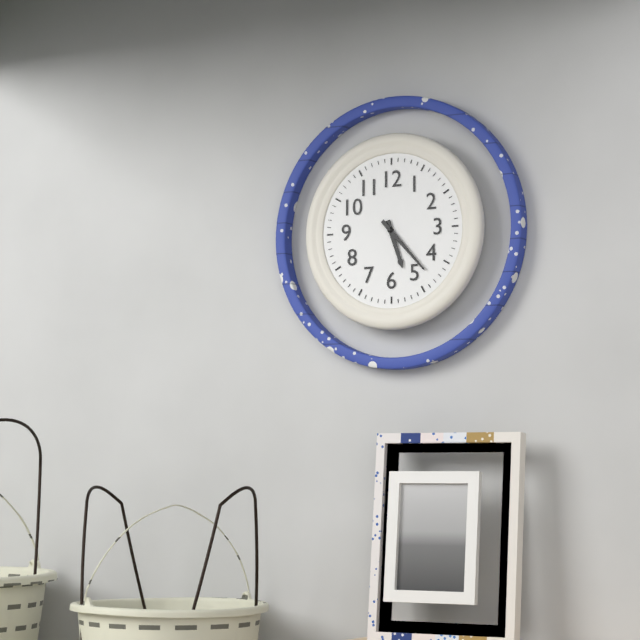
5h23
